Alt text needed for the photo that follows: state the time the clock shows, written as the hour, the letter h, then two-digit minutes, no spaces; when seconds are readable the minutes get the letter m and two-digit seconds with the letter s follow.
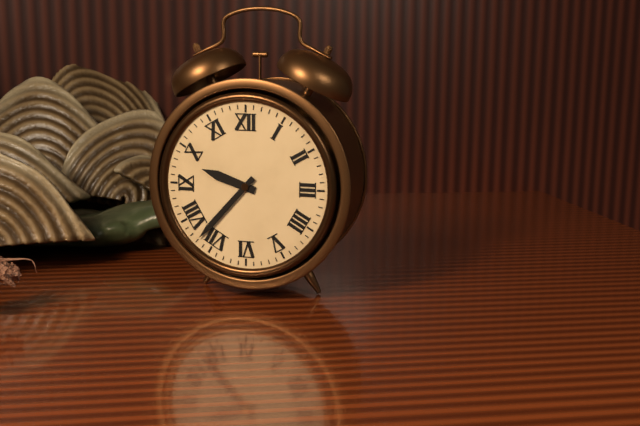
9h37
